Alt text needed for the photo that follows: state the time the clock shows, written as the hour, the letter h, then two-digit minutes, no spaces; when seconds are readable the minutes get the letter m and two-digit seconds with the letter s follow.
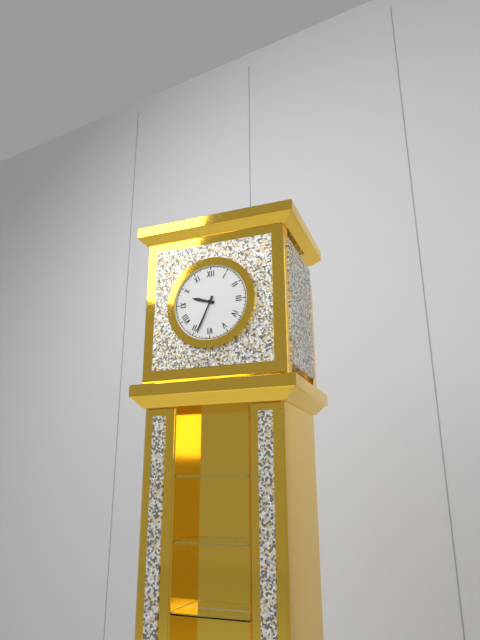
9h34
